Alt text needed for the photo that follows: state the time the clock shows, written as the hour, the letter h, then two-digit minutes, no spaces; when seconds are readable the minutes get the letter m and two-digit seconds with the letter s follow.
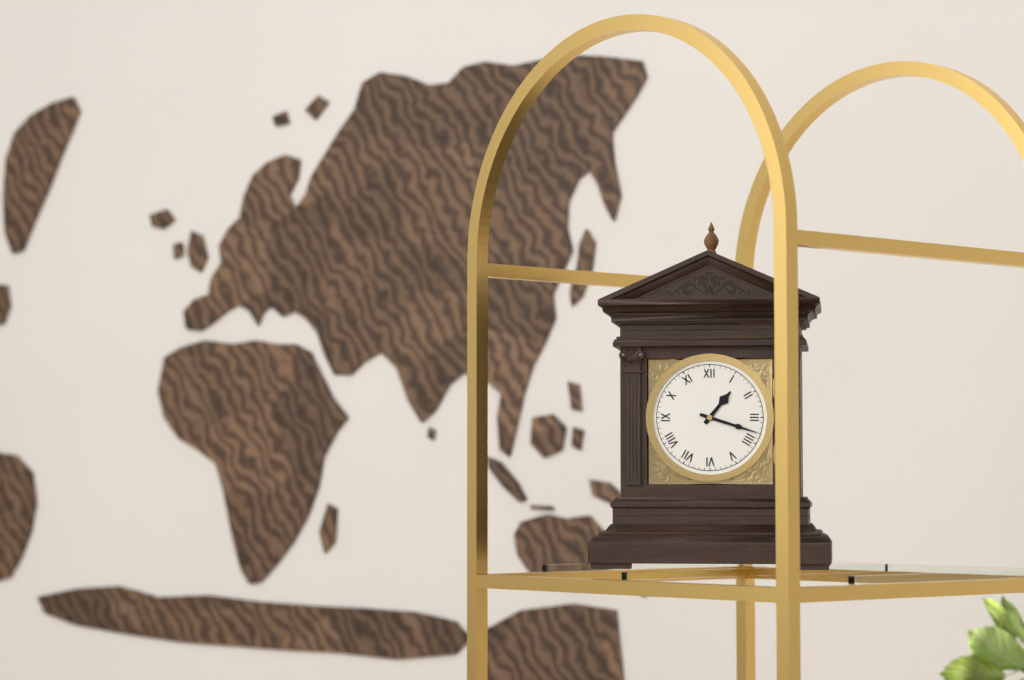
1h18
